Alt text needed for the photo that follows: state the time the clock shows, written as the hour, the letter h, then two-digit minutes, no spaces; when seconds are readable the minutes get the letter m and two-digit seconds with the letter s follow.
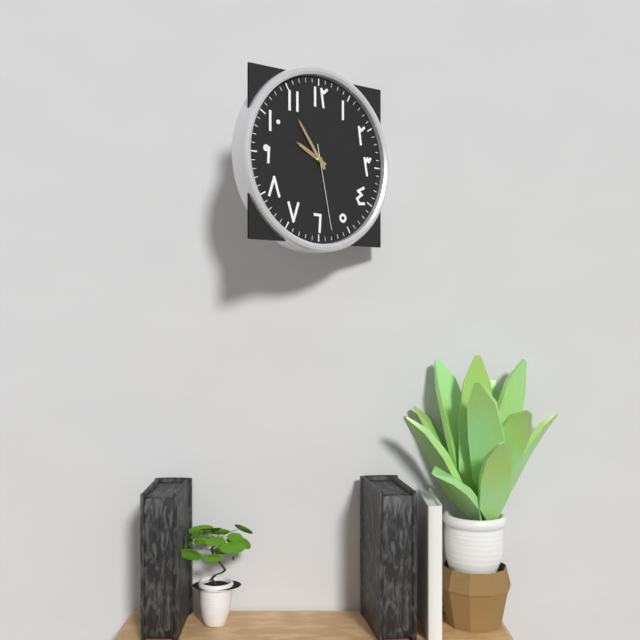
9h54m28s
